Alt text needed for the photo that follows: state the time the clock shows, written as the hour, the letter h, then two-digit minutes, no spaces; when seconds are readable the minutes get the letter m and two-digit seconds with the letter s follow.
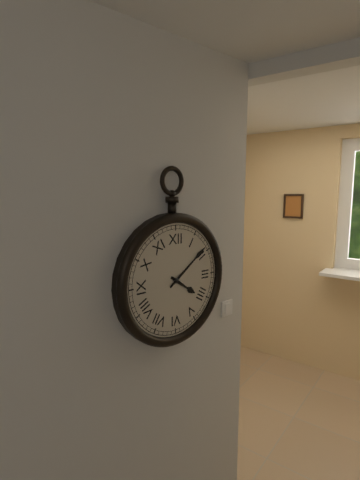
4h09
